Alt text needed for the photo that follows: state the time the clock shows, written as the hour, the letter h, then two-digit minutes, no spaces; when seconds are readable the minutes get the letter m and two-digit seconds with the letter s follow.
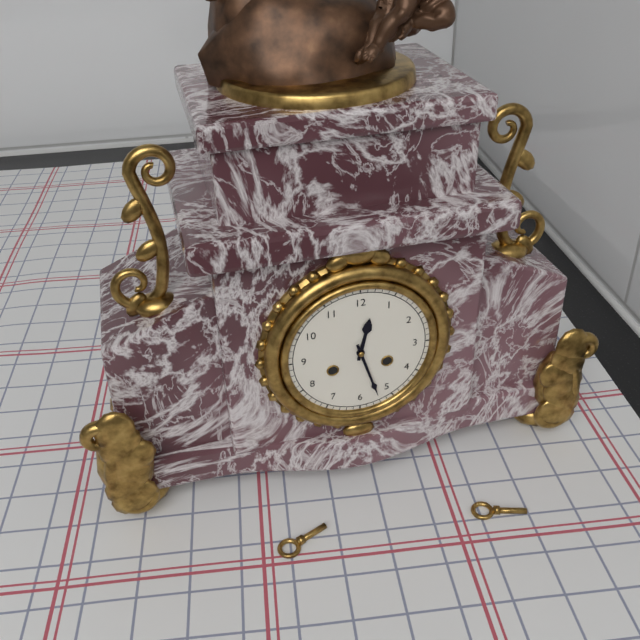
12h27
